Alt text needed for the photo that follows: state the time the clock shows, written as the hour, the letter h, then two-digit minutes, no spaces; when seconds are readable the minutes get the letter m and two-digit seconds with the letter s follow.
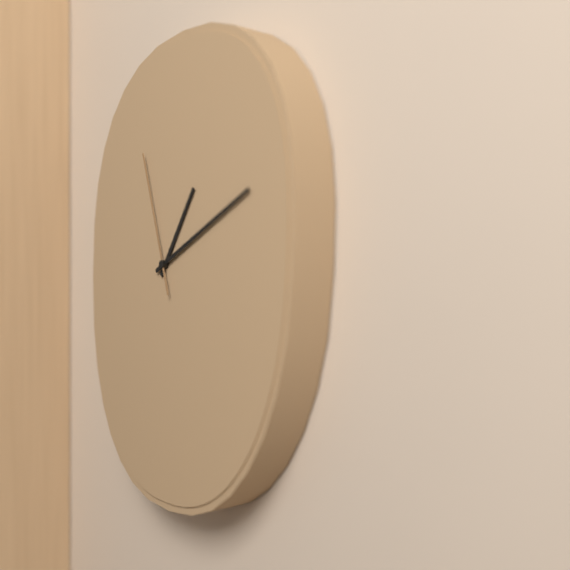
1h11m57s
